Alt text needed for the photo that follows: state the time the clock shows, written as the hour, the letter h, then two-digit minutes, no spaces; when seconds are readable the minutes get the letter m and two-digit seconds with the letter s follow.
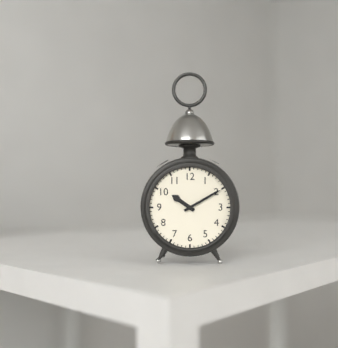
10h10
